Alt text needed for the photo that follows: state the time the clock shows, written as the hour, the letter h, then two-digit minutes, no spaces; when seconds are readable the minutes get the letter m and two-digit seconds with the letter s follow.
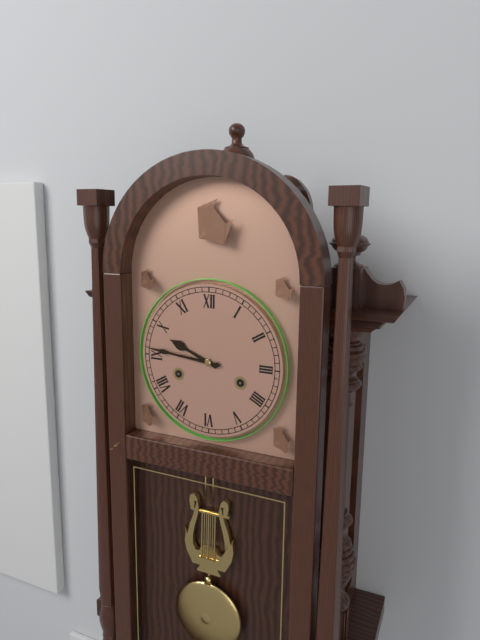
9h46
